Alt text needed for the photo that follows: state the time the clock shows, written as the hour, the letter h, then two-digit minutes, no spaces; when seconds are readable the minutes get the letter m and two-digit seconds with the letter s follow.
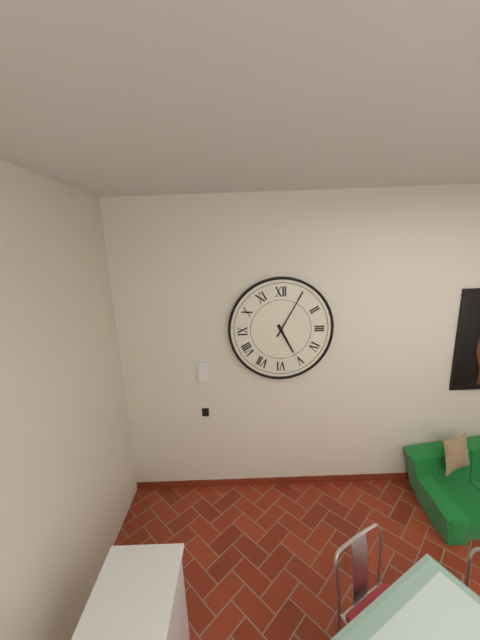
5h05
